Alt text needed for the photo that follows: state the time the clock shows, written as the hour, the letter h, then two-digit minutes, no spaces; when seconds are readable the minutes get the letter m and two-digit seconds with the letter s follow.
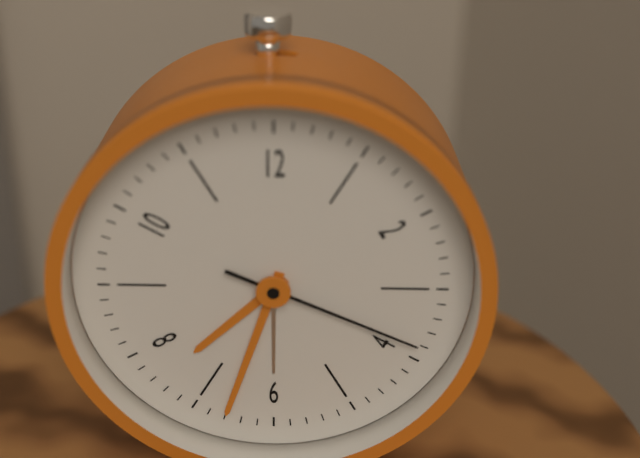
7h33m19s
